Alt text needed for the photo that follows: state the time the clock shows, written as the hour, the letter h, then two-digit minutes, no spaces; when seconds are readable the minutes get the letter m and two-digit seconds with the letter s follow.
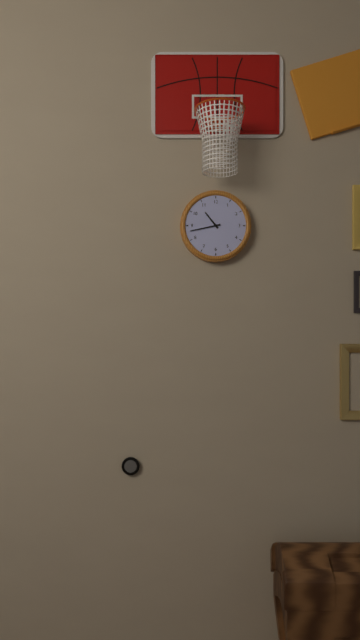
10h43
